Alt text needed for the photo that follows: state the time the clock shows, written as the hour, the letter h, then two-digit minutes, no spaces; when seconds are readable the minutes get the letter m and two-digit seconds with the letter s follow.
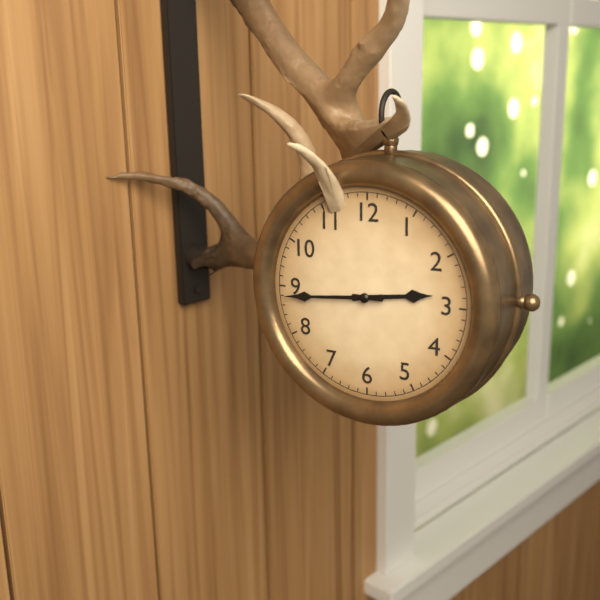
2h44
